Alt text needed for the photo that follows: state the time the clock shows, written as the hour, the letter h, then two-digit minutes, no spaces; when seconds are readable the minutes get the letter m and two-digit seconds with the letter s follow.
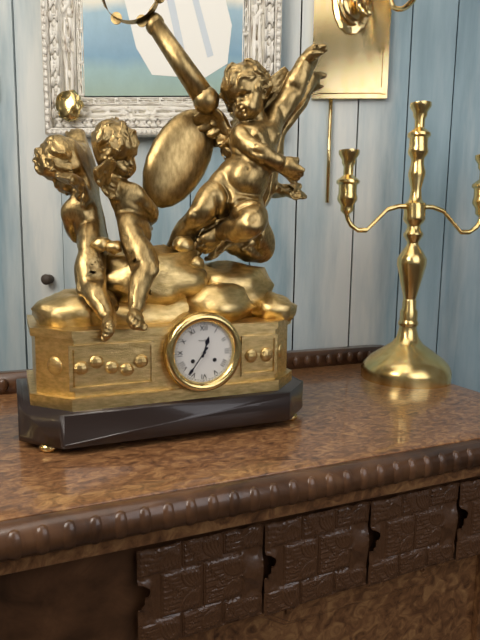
12h36
